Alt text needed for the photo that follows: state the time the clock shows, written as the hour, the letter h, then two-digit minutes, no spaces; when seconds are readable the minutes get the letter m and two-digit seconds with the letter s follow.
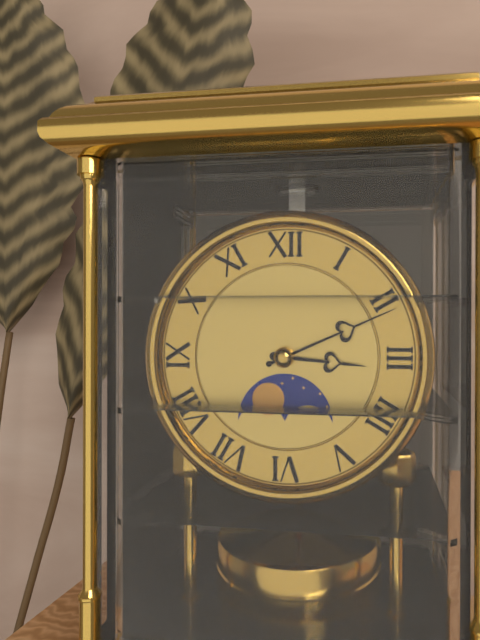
3h11
